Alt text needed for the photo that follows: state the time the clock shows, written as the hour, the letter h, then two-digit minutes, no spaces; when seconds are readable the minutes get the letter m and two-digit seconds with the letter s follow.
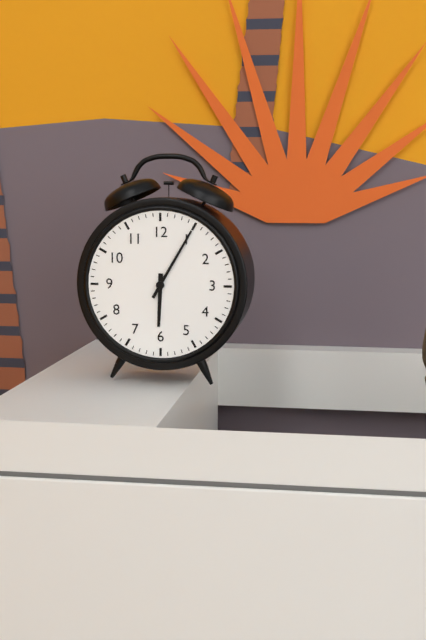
6h05
